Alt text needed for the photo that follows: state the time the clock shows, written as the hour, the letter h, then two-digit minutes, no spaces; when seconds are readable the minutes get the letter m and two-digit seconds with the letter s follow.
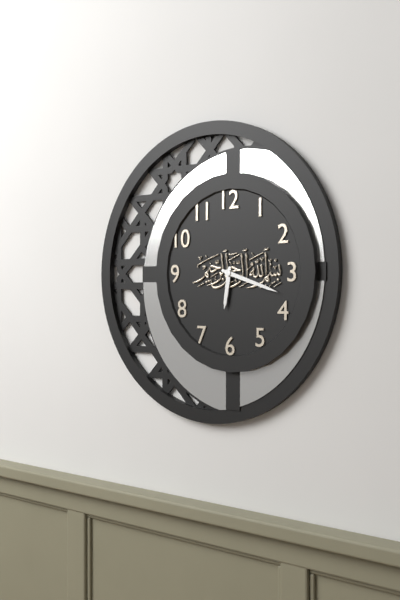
6h18
